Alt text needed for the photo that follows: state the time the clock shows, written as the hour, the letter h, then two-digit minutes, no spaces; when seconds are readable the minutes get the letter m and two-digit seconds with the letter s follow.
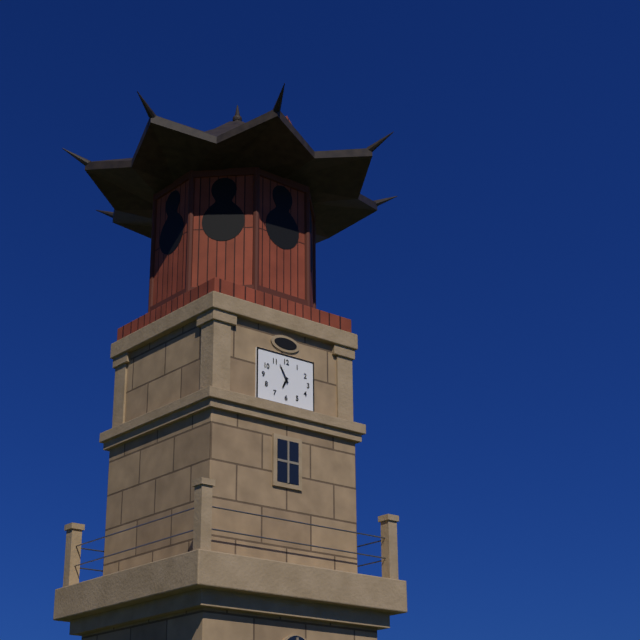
6h55
